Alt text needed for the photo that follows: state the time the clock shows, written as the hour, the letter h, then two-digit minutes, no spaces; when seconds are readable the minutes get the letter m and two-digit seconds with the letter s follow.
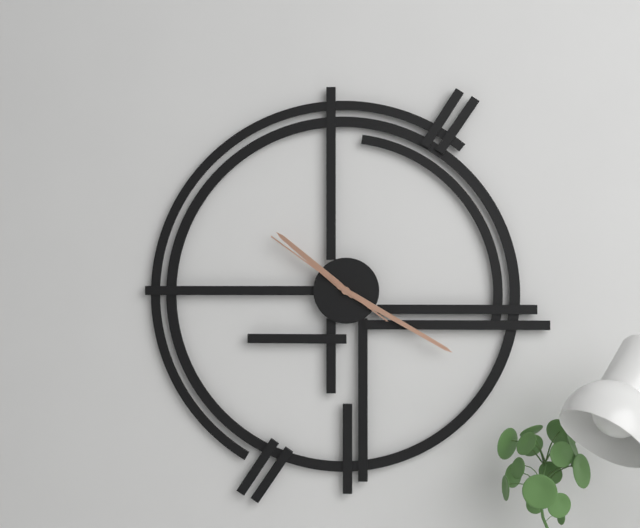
10h20m51s
